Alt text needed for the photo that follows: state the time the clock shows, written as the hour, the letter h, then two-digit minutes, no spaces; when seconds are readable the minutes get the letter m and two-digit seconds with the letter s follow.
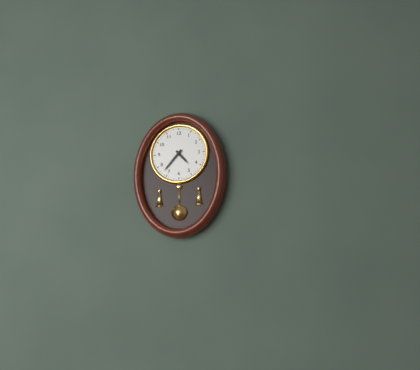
4h37
